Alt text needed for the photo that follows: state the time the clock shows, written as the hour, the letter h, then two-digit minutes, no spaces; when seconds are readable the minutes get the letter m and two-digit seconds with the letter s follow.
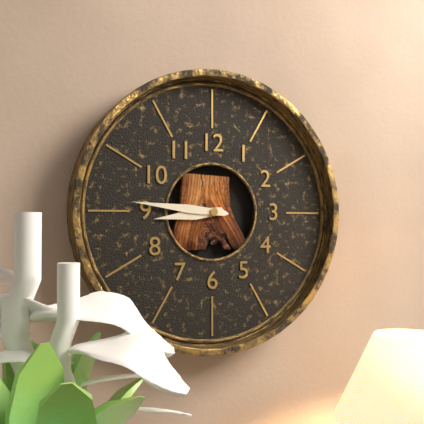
8h46
